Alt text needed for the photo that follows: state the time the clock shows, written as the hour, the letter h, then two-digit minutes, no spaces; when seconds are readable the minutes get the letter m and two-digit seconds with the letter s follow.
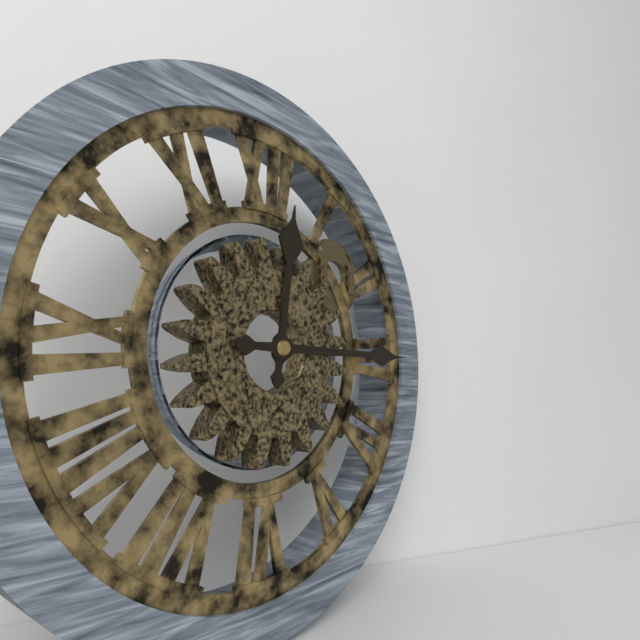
12h15
